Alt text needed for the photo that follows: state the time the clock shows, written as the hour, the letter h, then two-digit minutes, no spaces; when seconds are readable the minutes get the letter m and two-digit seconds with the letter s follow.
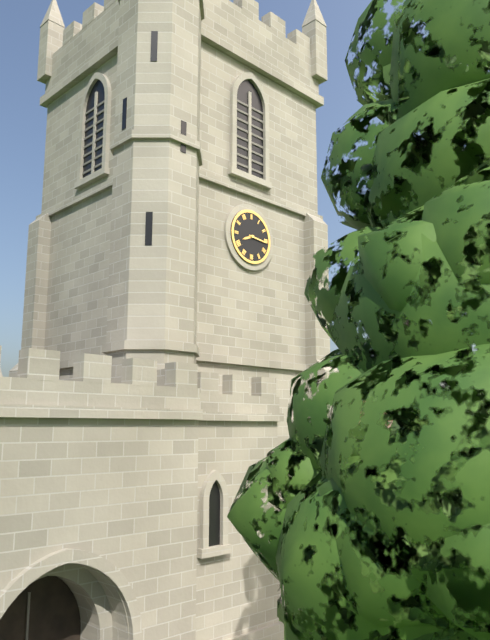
8h16
